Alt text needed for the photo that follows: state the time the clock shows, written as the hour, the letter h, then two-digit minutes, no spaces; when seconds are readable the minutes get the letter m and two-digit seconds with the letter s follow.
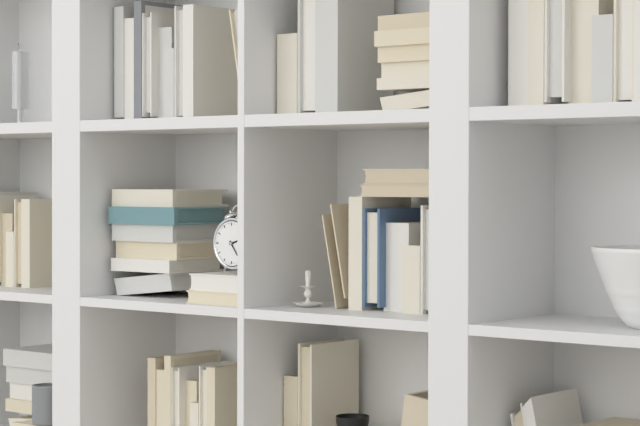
2h24
